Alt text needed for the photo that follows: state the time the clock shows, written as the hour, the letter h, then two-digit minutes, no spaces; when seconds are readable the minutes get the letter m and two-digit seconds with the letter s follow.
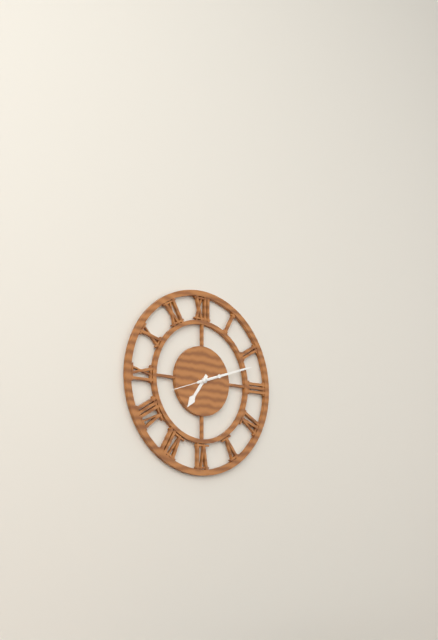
7h12
